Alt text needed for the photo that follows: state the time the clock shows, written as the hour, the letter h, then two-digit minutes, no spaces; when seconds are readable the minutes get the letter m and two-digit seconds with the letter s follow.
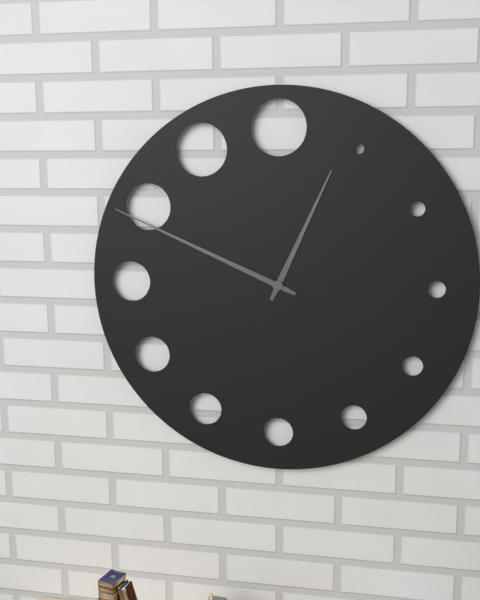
12h49
